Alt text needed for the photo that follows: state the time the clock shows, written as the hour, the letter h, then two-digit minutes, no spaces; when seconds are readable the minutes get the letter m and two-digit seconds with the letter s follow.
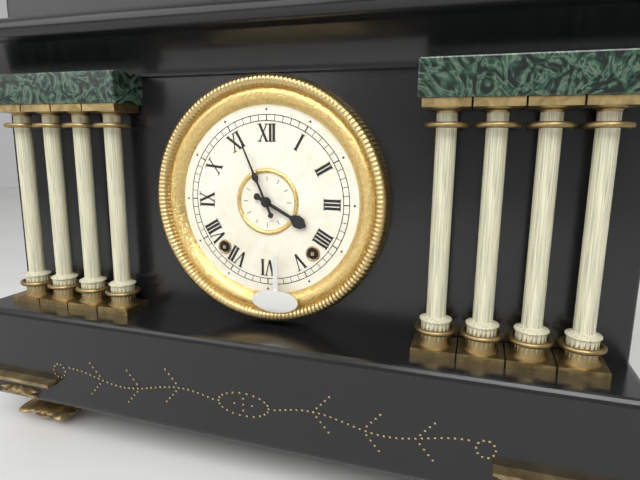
3h56
